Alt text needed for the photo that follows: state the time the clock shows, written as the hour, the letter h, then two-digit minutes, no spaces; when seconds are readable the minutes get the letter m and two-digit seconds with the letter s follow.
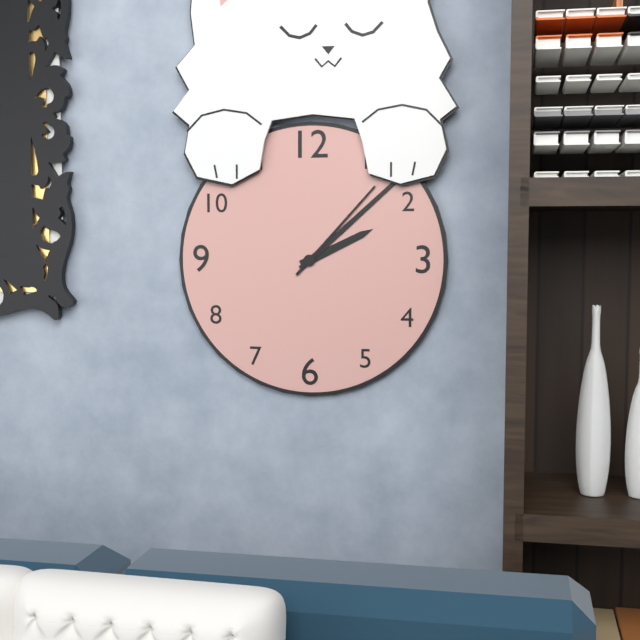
2h08m07s
